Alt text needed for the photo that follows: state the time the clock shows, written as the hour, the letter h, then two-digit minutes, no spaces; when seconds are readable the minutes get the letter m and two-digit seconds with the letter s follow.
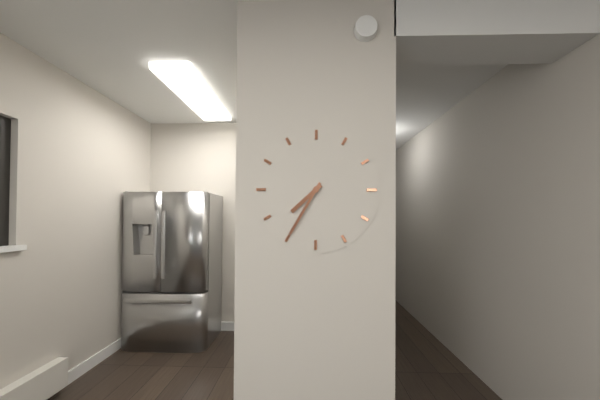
7h35
